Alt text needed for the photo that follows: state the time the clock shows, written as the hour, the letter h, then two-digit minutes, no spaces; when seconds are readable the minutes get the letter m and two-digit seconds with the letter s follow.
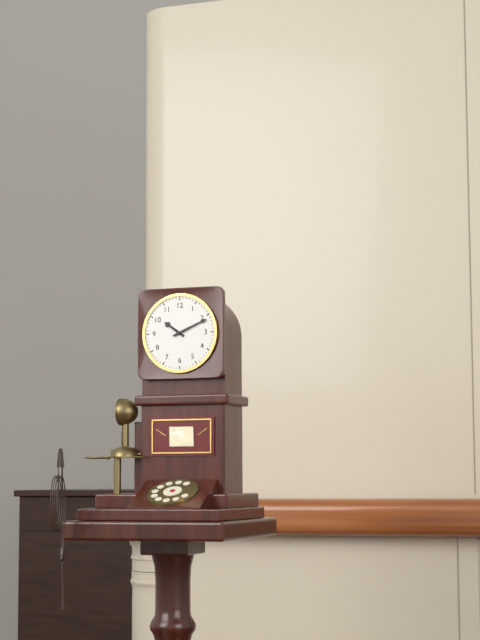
10h11
